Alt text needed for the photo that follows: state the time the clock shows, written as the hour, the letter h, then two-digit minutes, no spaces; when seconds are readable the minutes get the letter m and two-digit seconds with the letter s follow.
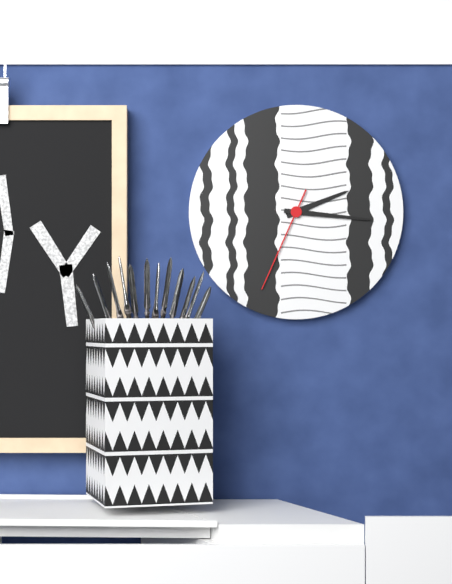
2h16m34s
